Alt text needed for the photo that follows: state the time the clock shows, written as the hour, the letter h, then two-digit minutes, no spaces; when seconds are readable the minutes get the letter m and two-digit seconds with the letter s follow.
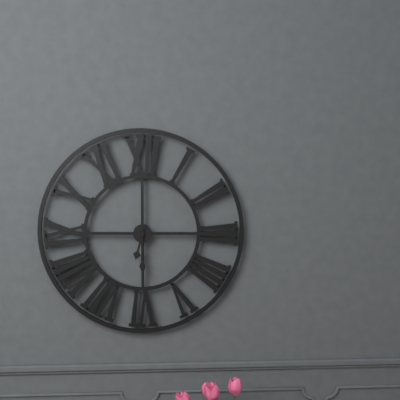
6h30
